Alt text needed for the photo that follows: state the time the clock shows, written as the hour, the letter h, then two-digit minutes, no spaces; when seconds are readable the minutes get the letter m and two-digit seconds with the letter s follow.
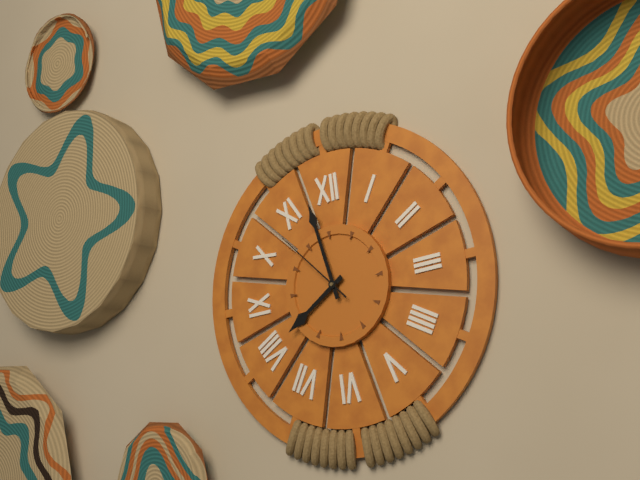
7h58m53s
